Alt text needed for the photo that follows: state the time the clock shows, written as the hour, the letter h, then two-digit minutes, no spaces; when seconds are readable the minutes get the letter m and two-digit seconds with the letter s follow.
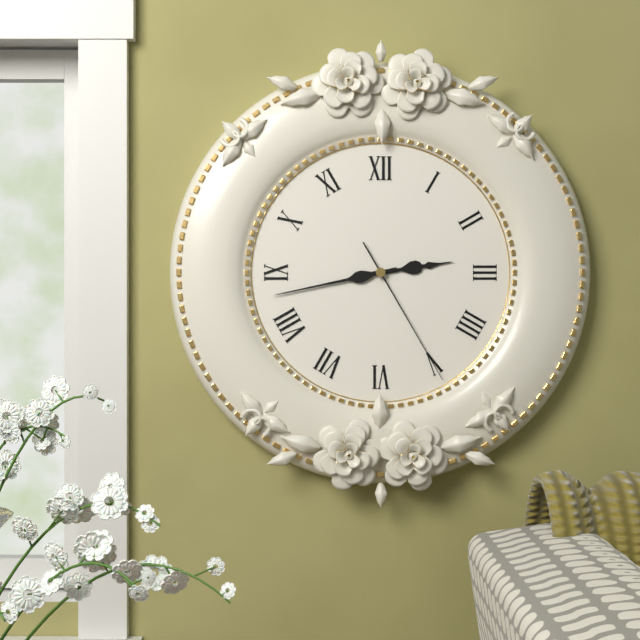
2h43m25s
